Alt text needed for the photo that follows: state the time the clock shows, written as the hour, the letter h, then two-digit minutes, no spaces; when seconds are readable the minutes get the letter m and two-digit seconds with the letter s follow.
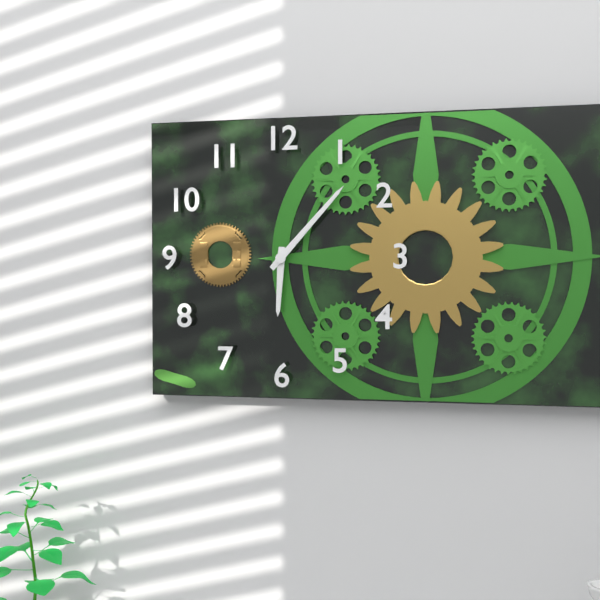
6h07
